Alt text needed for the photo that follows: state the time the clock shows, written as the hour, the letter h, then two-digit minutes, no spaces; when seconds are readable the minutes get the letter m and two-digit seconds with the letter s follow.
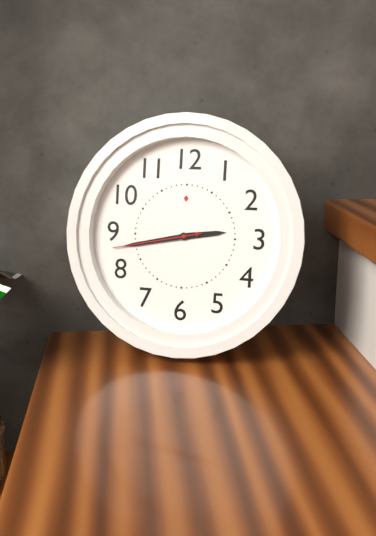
2h43m43s
